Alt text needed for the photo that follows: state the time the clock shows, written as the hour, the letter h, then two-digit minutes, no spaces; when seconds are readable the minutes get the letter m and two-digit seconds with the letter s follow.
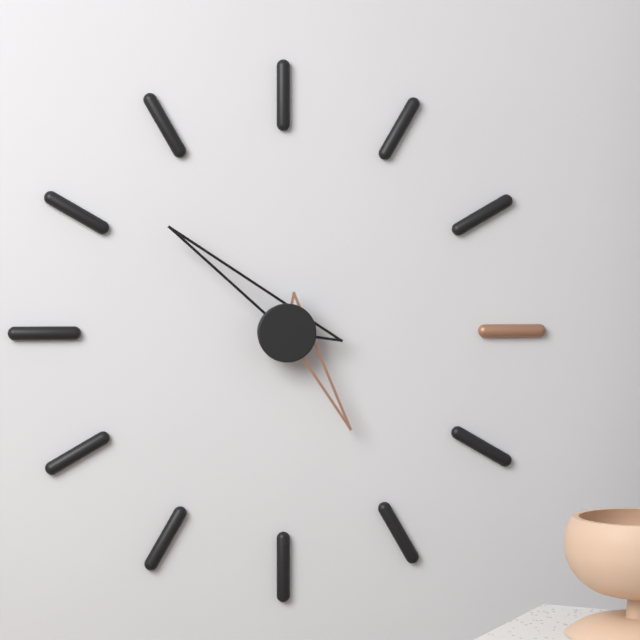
4h52
